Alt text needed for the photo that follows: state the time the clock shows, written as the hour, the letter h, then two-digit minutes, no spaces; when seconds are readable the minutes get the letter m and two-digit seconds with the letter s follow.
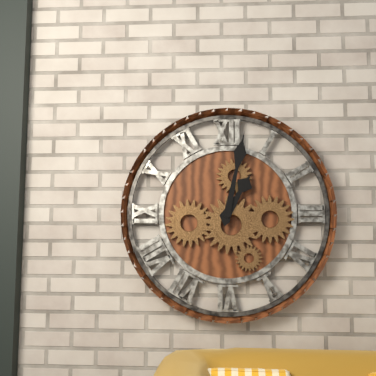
1h02
